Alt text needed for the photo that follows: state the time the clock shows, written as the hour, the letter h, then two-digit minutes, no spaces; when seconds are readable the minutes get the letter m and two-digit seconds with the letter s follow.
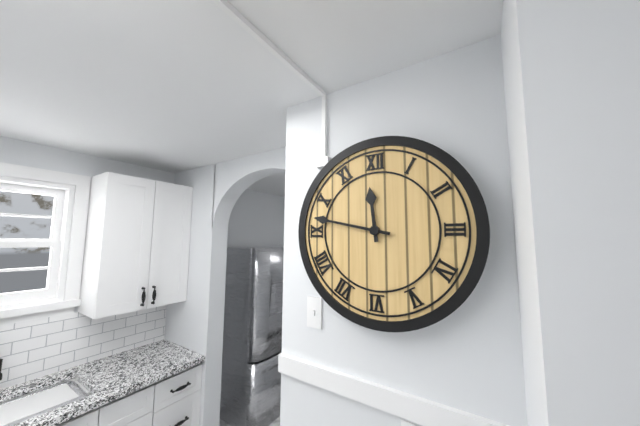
11h47
